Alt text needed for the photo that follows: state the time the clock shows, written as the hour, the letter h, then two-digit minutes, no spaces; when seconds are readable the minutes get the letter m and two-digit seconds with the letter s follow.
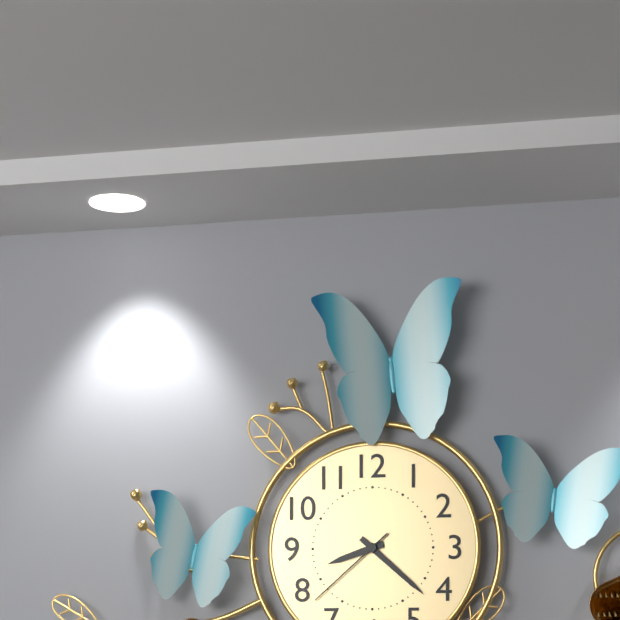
8h22m38s
